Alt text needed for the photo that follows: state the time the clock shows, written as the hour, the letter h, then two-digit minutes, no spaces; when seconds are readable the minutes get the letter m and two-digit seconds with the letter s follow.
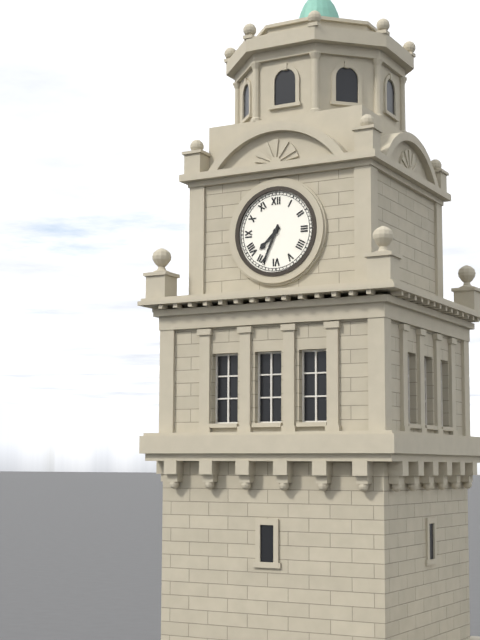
7h34
